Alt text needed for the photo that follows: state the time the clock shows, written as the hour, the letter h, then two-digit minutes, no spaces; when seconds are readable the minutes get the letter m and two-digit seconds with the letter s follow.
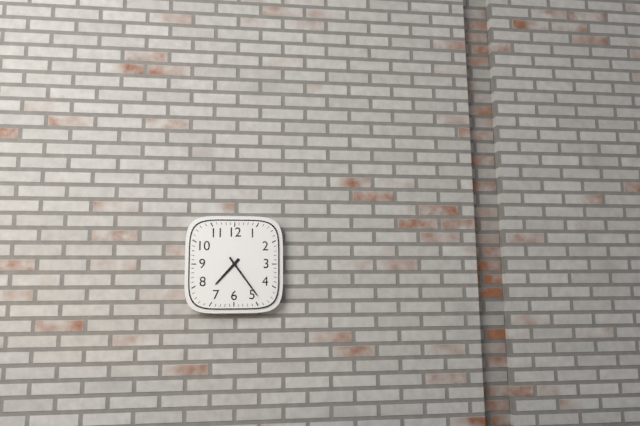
7h24
